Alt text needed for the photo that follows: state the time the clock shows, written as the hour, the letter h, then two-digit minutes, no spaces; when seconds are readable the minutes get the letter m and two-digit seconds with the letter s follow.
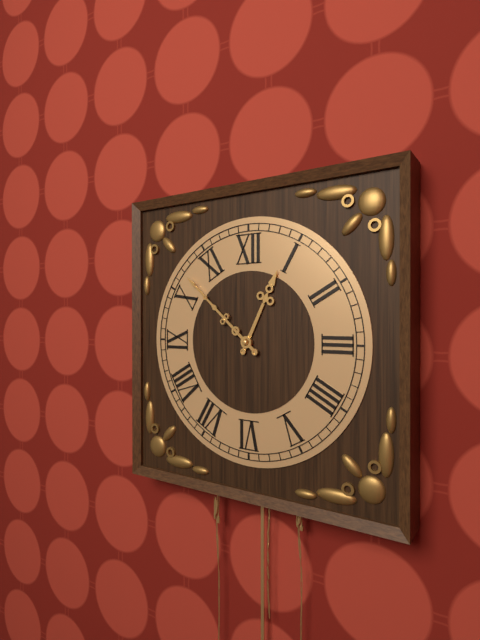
12h52
